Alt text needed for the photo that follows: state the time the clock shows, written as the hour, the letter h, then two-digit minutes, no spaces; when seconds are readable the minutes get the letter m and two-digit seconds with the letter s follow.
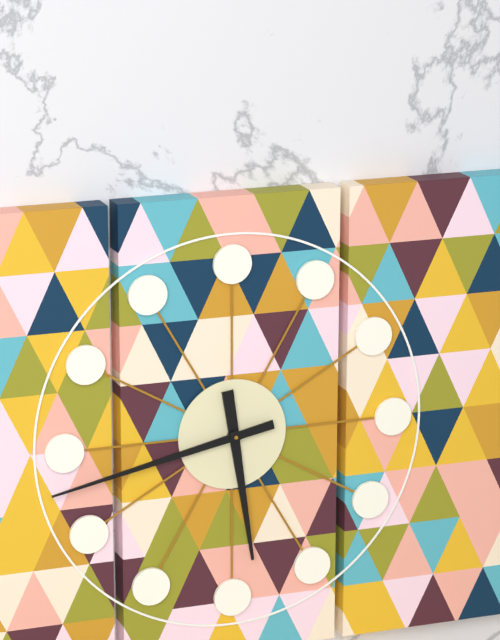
5h43
